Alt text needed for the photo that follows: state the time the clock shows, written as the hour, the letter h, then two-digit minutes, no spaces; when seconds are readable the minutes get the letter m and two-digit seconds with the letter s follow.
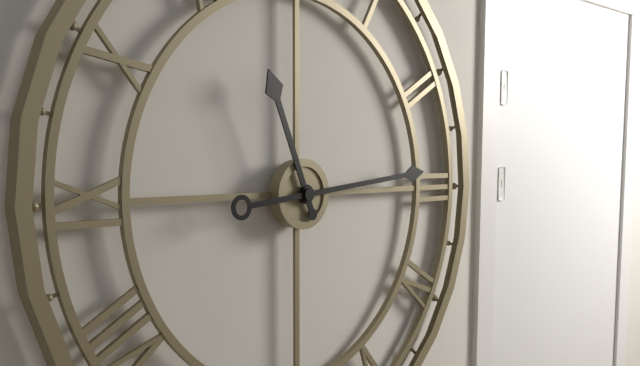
11h14
